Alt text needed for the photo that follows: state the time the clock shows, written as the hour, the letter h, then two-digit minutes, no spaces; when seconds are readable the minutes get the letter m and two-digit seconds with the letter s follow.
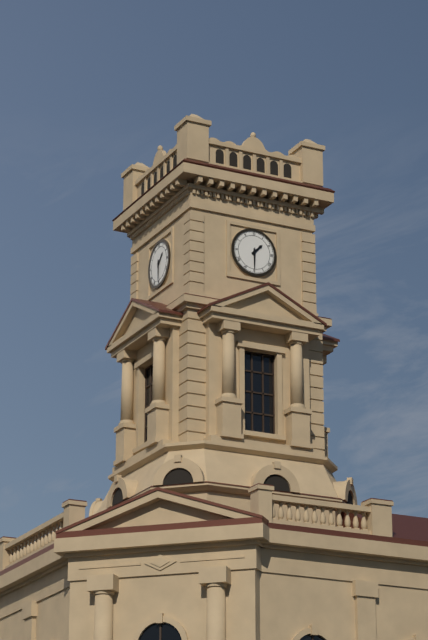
1h30
